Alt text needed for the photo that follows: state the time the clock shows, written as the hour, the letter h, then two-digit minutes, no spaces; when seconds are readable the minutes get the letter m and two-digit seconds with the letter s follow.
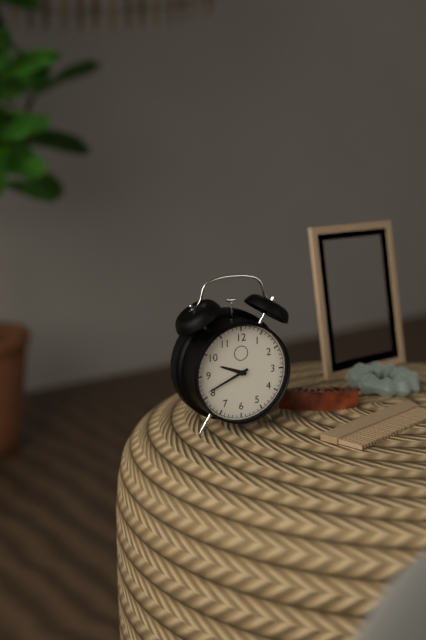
9h41
